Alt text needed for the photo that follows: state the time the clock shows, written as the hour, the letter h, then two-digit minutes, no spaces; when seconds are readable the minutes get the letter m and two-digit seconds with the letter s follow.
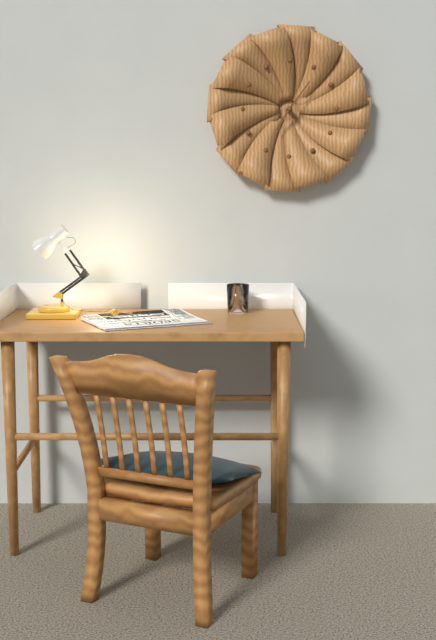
7h06
